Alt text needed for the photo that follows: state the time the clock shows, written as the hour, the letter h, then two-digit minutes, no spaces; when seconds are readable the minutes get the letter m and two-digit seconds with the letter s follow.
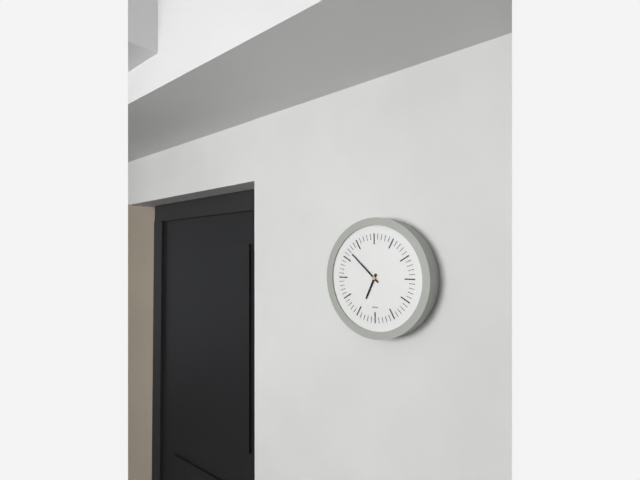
6h52
